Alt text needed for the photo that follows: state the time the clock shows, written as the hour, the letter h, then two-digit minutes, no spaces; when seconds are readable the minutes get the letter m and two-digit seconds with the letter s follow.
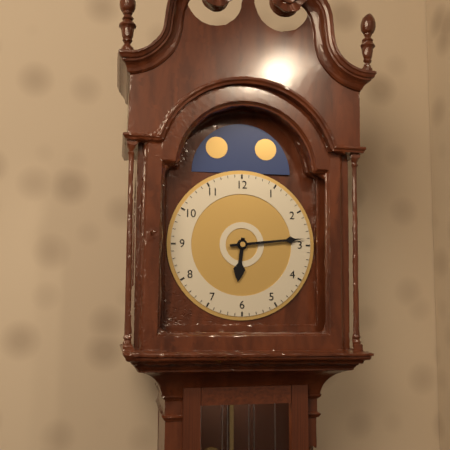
6h14
